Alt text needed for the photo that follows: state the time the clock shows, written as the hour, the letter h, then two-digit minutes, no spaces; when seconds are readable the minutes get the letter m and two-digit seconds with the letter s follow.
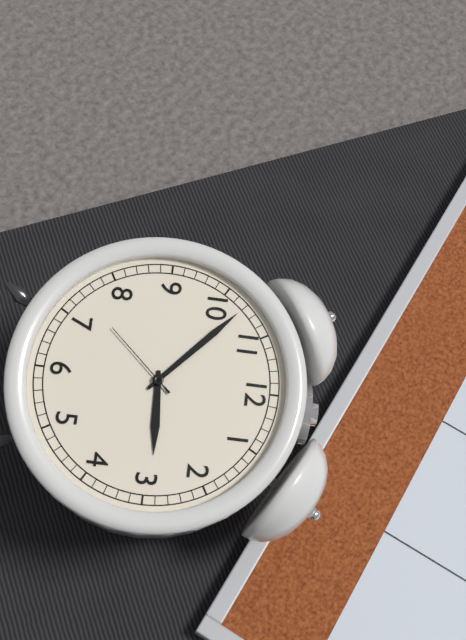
2h52m37s
